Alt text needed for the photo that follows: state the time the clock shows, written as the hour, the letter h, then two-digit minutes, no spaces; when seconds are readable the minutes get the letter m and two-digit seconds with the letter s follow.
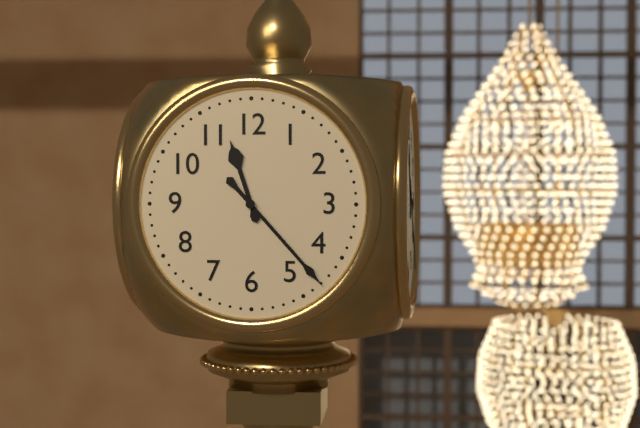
11h23
